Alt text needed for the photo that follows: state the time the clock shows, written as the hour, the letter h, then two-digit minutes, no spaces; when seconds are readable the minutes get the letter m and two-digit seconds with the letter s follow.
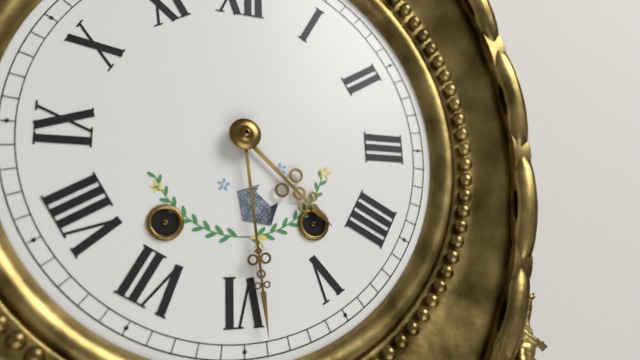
4h29
